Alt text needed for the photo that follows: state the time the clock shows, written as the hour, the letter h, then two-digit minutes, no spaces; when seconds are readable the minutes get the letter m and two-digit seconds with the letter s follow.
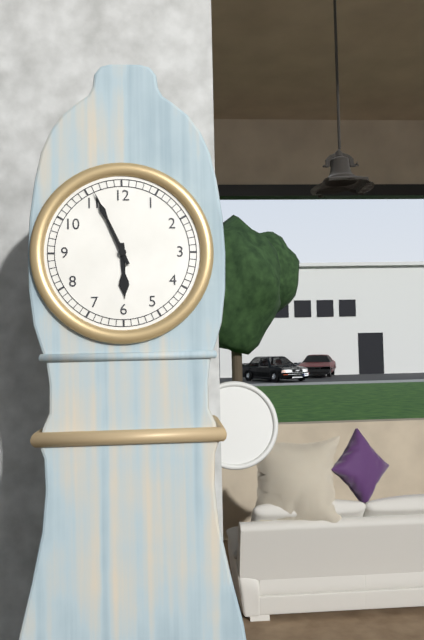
5h56
